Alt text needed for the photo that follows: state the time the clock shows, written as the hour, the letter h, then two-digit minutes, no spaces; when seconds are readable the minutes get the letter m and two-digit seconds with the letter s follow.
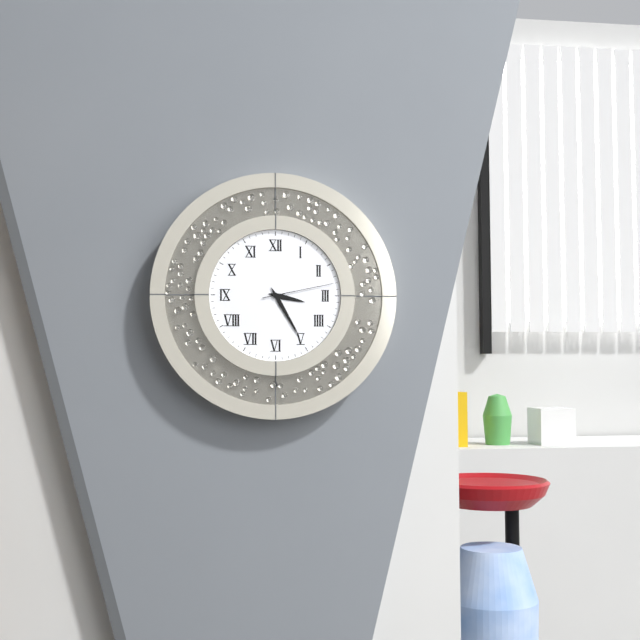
3h25m13s
